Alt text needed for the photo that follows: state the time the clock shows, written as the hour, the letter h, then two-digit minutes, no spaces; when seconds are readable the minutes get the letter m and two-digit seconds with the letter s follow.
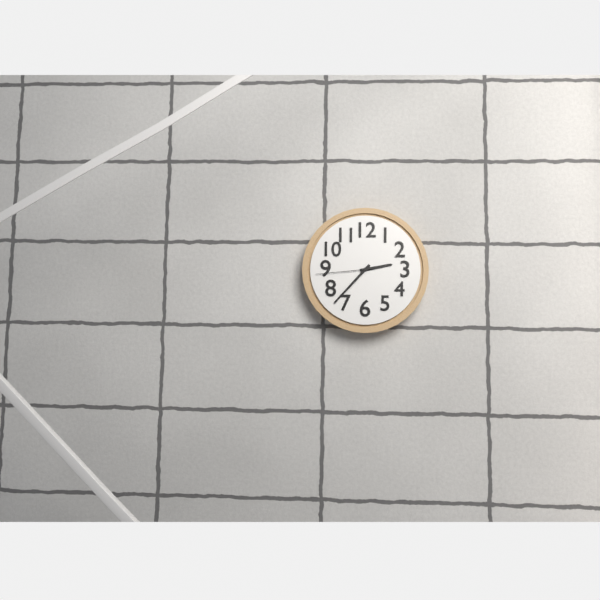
2h37m44s
